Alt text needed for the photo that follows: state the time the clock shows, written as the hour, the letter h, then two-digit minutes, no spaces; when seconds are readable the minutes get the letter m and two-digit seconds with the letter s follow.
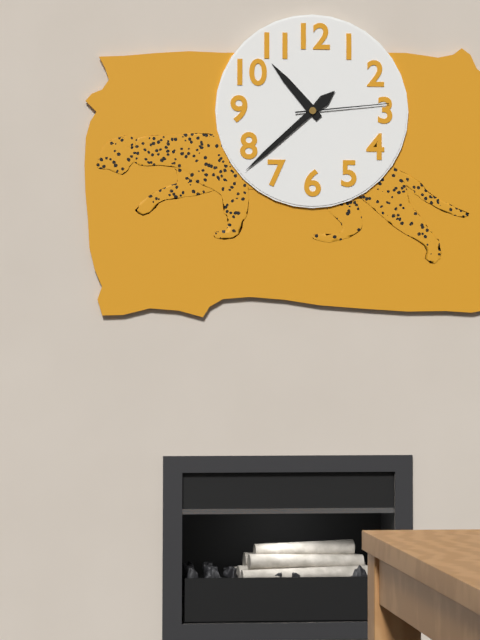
10h38m14s
